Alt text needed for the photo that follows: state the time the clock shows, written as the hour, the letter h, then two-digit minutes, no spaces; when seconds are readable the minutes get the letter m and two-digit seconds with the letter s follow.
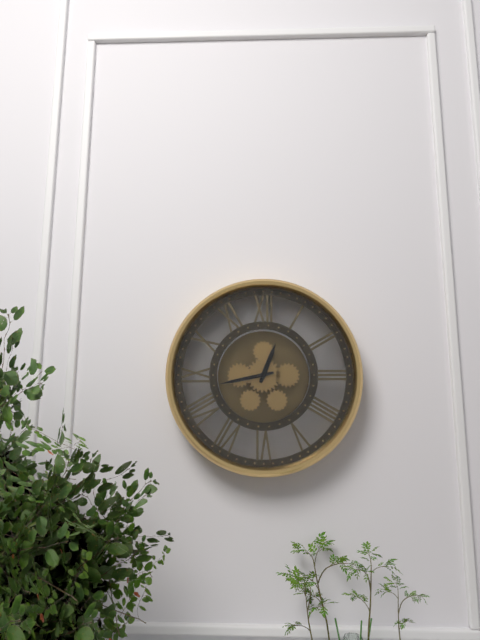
12h43
